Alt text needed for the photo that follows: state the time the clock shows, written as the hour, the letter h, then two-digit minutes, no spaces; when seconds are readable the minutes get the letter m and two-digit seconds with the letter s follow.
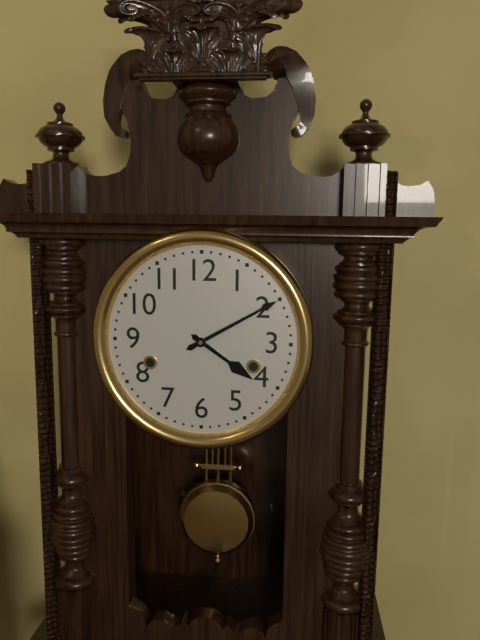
4h10
